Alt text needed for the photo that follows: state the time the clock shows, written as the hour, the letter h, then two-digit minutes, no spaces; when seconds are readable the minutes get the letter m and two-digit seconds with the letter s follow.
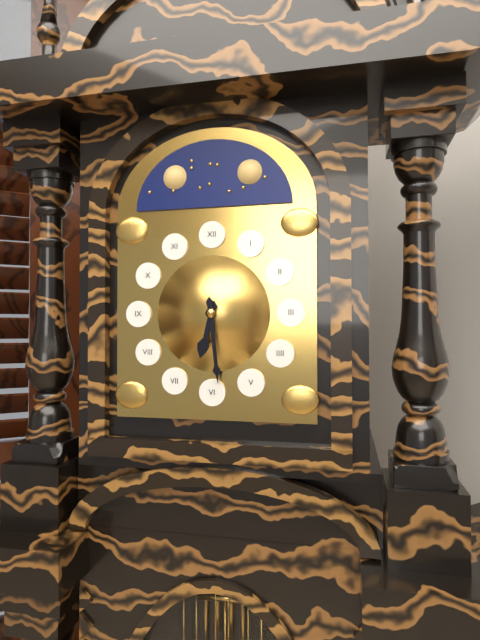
6h29
